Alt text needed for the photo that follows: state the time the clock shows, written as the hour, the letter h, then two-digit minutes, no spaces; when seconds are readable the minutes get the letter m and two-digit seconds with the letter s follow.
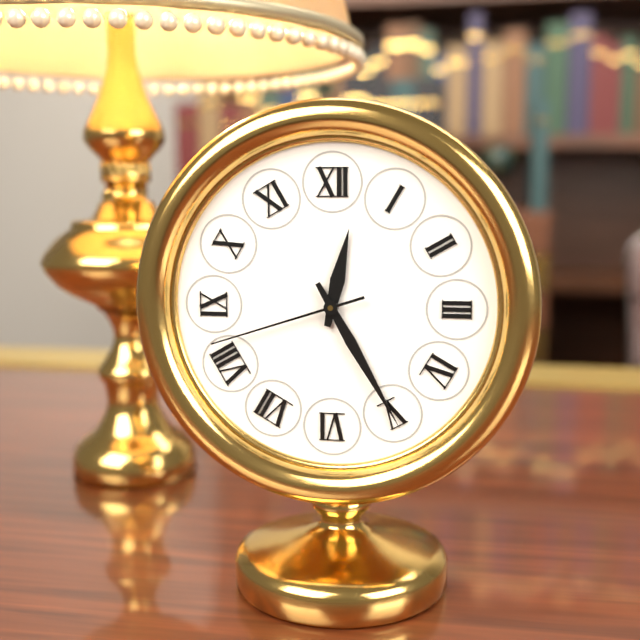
12h25m42s
